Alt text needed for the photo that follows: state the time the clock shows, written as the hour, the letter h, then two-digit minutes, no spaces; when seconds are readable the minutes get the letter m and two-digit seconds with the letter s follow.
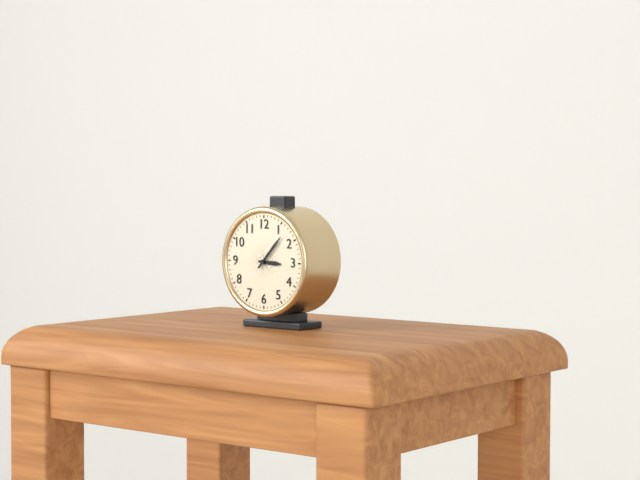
3h07
